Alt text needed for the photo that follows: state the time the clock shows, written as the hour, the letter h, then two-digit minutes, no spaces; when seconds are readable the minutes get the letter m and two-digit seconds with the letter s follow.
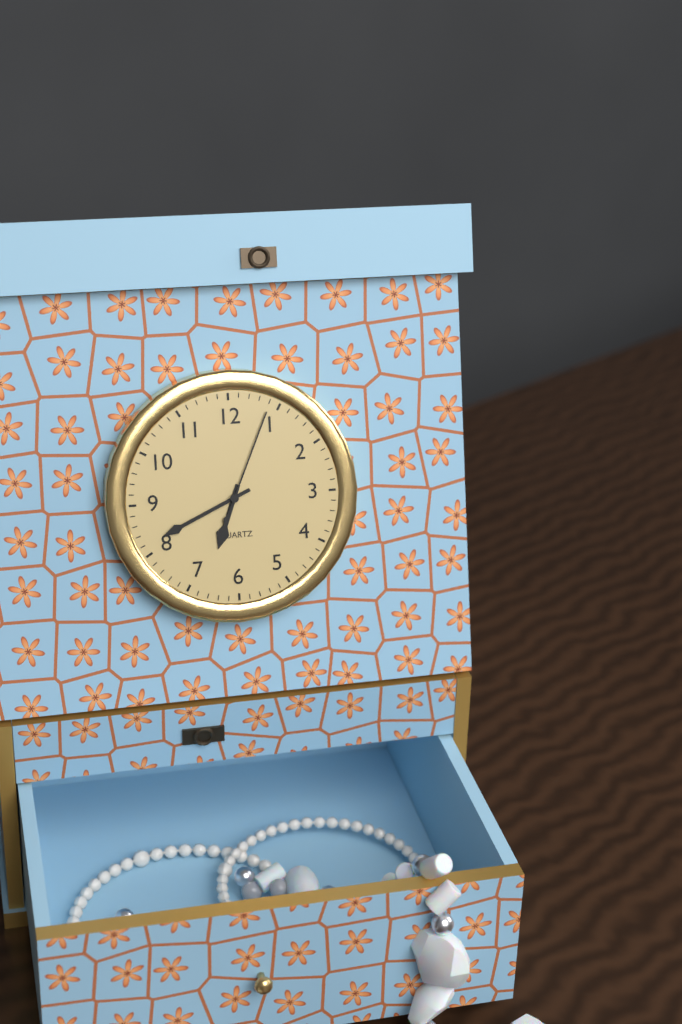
6h41m04s
